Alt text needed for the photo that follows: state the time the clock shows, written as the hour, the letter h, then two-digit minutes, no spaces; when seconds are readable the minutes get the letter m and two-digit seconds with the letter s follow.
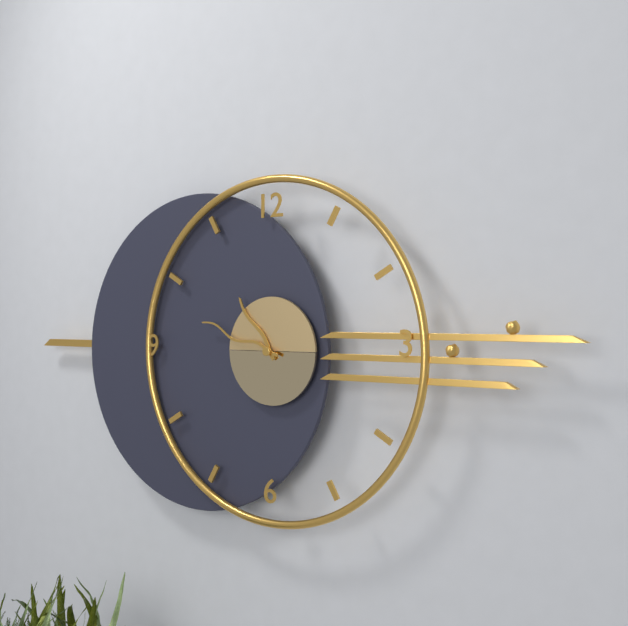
10h48
